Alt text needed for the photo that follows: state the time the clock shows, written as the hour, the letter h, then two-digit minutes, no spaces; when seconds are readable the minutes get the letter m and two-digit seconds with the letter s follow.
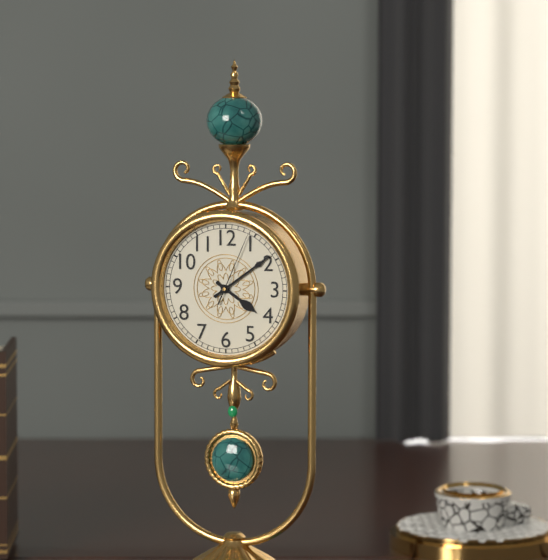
4h09m04s
